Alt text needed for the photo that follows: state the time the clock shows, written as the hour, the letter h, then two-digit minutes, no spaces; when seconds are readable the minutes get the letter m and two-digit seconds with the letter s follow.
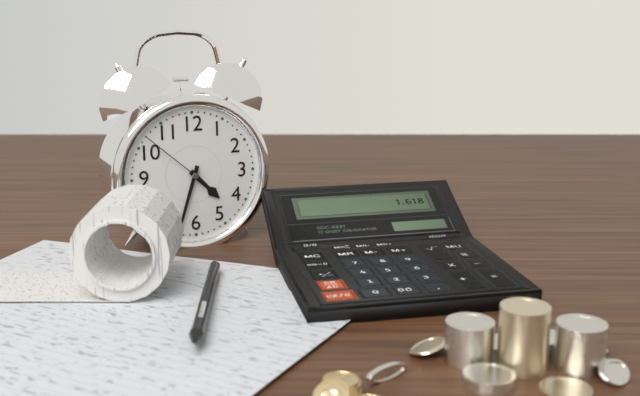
4h33m52s
